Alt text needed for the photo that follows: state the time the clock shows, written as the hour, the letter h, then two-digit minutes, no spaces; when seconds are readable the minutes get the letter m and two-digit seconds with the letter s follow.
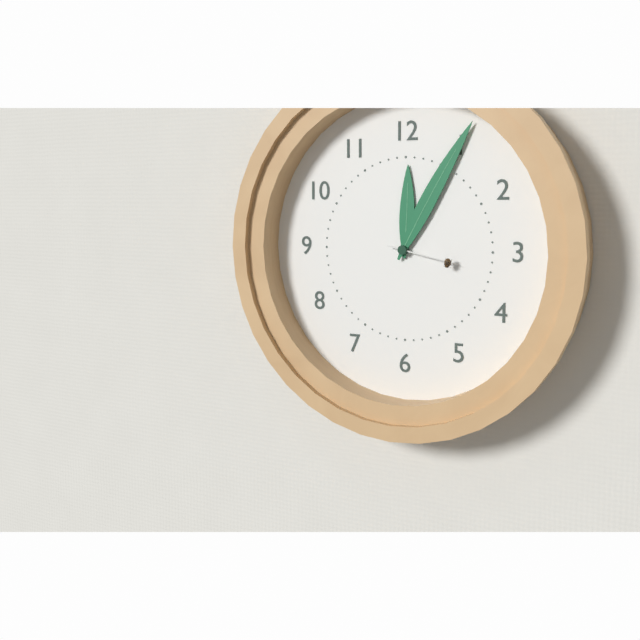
12h05m17s
